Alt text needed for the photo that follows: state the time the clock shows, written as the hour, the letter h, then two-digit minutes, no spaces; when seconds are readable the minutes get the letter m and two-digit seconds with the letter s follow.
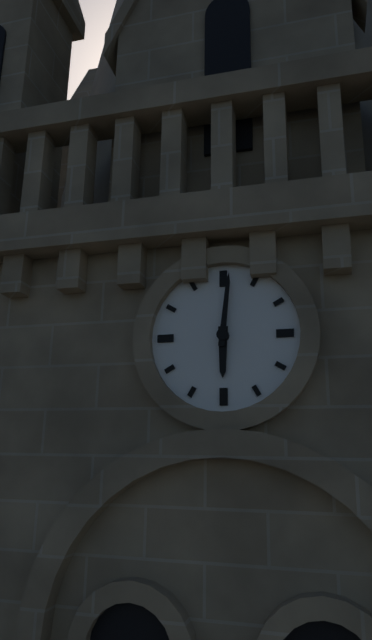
6h01
